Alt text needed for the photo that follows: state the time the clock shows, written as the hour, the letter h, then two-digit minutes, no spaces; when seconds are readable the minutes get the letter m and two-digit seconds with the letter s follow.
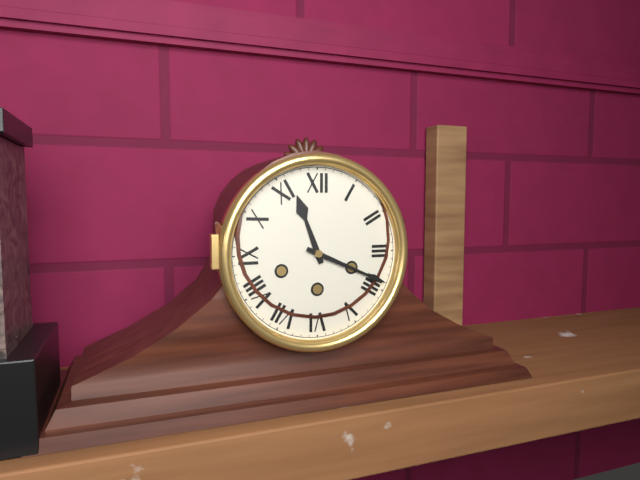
11h19
